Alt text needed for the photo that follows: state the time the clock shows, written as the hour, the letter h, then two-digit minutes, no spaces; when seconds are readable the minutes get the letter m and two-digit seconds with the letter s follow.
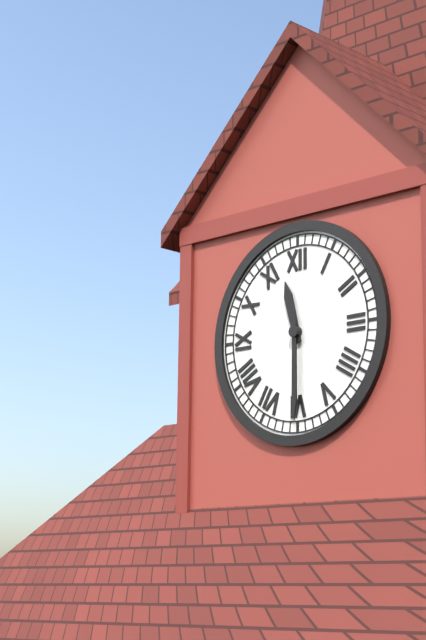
11h30
